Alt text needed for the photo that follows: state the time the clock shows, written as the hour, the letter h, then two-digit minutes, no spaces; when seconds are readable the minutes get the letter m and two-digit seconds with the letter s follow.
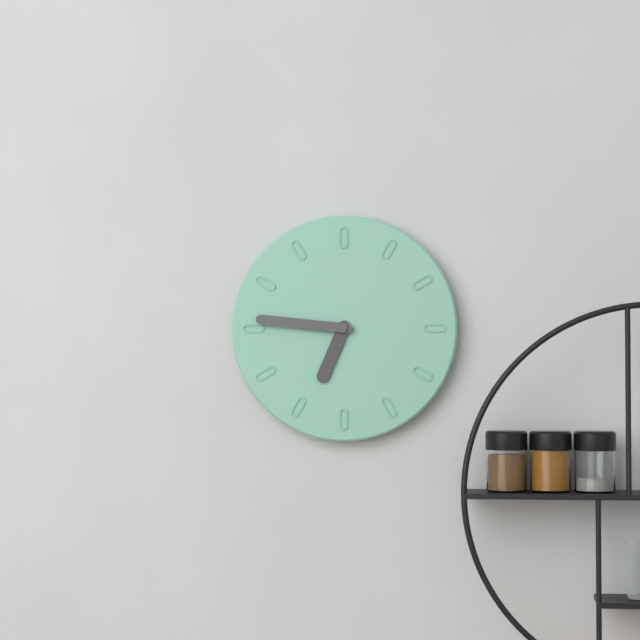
6h46
